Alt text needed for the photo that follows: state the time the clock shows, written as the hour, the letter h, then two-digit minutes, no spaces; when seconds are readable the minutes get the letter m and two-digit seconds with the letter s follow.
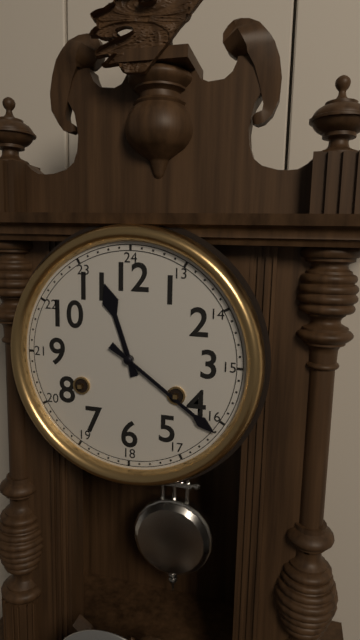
11h21
